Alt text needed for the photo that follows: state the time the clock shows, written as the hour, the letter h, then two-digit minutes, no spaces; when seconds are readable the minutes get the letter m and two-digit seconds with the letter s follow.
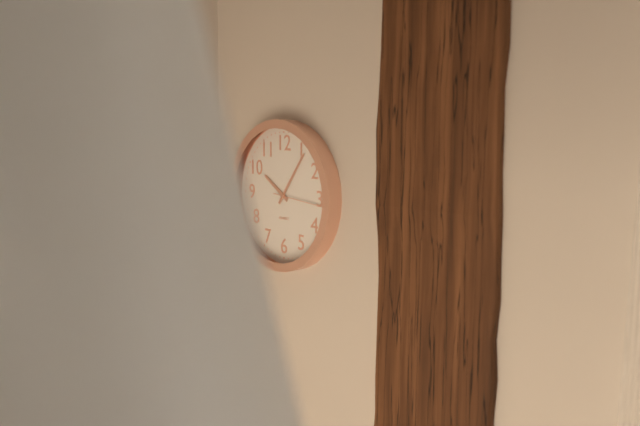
10h06m16s
